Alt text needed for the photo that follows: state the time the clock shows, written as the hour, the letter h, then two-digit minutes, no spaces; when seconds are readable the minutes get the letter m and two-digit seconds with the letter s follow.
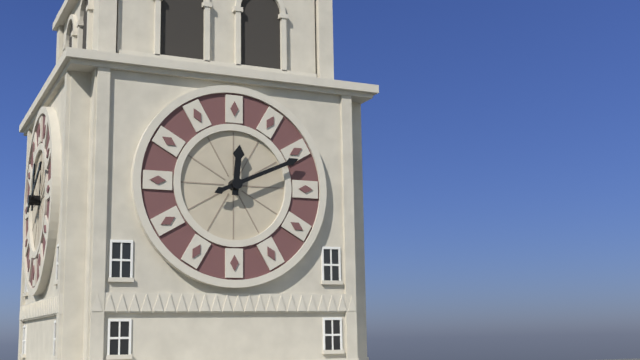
12h11
